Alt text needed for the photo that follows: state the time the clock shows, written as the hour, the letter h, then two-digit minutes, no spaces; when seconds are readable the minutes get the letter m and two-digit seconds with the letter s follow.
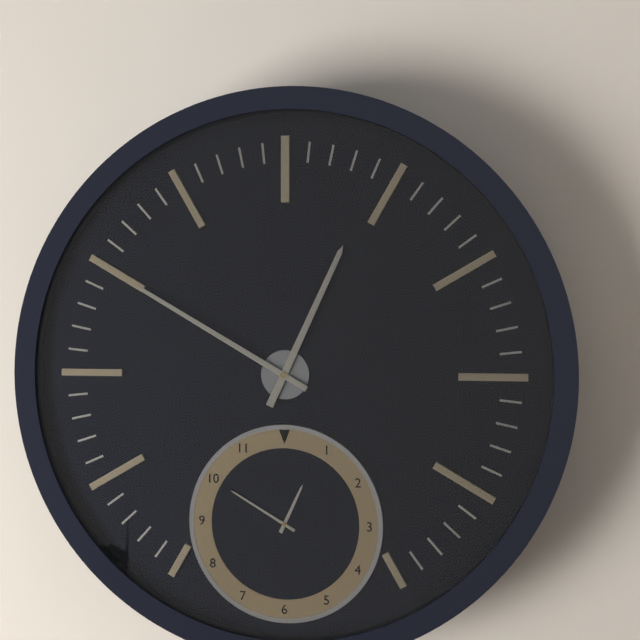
12h50
